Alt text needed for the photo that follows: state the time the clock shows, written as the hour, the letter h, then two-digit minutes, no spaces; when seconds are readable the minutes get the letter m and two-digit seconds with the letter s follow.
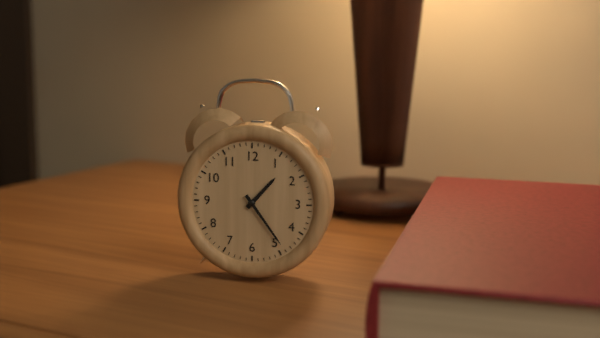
1h24
